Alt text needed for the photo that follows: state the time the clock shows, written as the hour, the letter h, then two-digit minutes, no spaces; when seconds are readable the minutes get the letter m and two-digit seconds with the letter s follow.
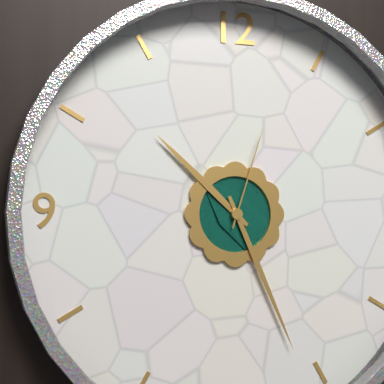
10h26m03s
